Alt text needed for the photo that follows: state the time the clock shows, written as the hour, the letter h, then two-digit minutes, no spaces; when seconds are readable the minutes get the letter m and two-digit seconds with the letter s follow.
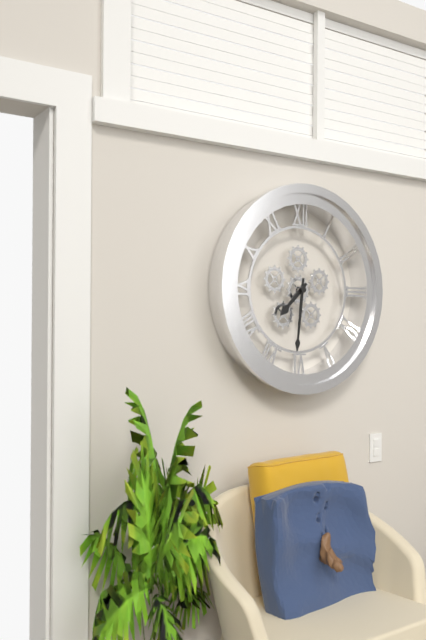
7h31
